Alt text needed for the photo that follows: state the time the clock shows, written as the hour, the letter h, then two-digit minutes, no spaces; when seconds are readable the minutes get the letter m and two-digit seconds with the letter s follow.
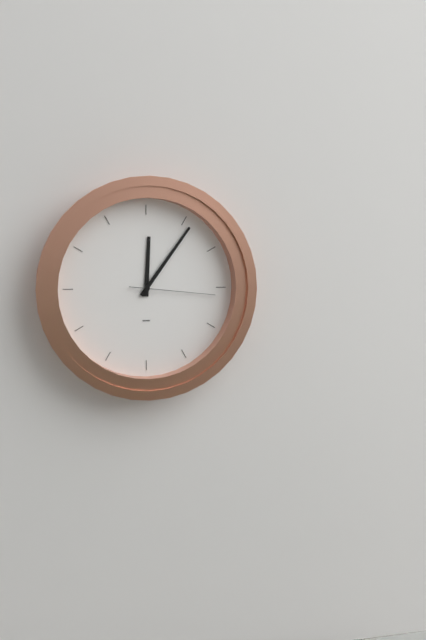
12h06m16s
